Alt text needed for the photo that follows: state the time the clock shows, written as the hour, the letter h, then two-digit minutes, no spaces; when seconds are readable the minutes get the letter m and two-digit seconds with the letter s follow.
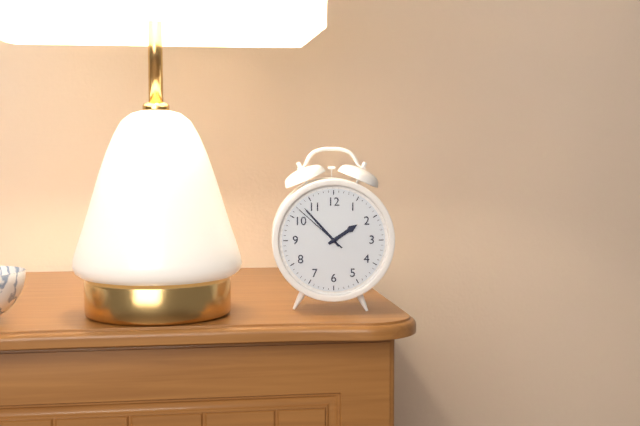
1h53m52s
